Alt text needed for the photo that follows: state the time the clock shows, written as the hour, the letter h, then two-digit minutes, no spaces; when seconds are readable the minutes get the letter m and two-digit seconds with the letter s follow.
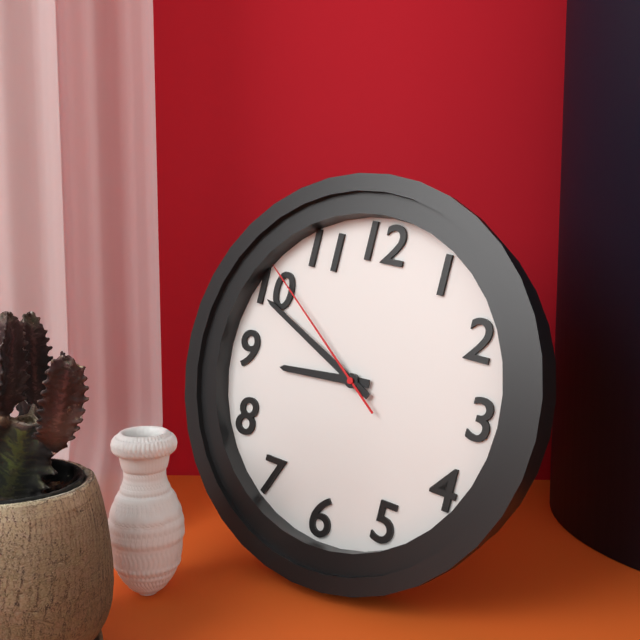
8h49m51s
